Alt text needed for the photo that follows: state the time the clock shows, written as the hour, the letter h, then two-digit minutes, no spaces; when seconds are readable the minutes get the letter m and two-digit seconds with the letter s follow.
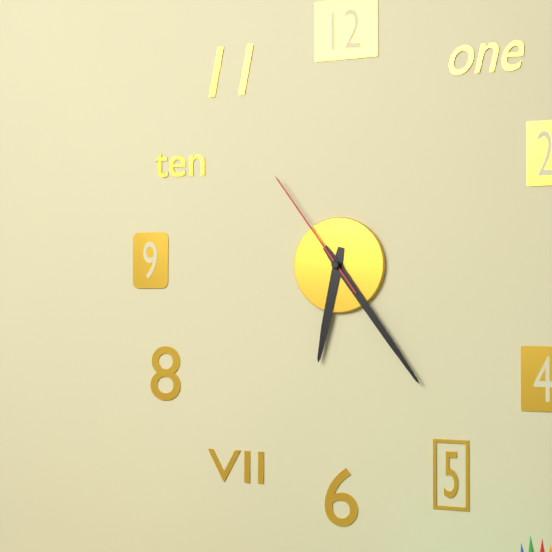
6h24m54s
